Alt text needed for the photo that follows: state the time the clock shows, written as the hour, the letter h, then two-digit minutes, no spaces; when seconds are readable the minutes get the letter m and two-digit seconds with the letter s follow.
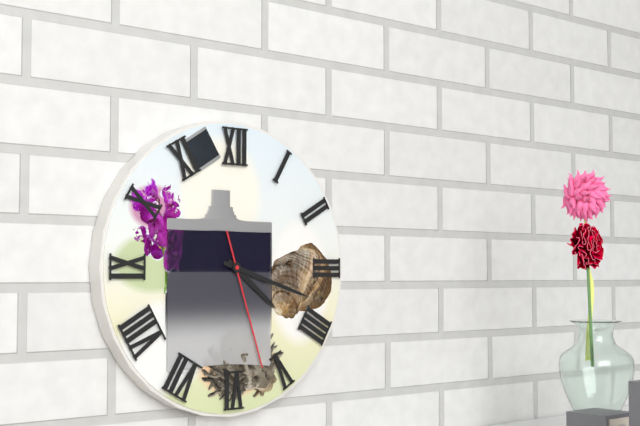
4h18m27s
